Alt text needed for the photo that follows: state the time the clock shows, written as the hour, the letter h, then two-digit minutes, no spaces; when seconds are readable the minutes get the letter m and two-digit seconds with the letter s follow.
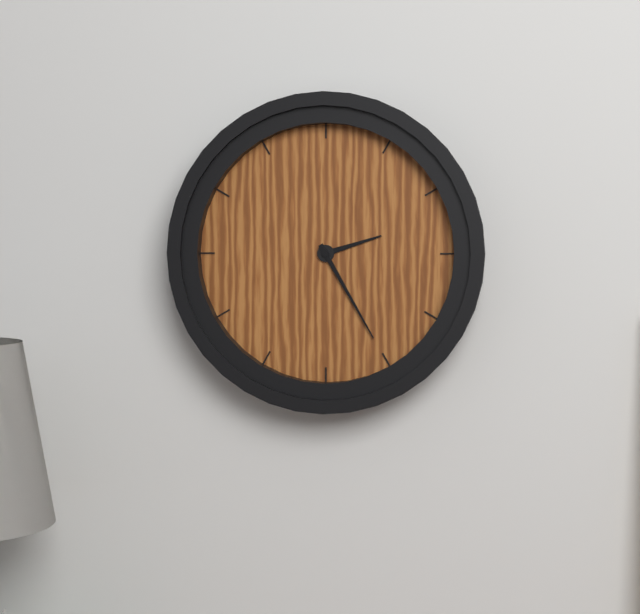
2h25
